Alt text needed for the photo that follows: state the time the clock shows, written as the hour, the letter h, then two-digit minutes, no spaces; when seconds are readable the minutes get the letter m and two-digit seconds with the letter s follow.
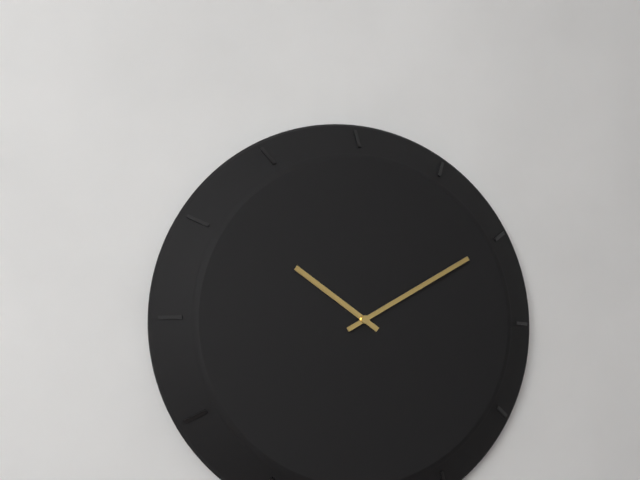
10h10
